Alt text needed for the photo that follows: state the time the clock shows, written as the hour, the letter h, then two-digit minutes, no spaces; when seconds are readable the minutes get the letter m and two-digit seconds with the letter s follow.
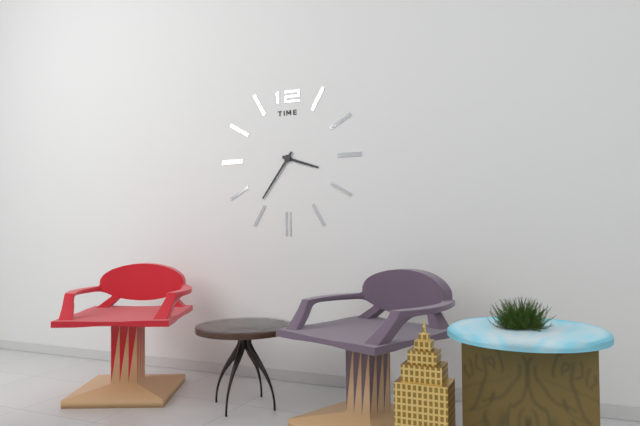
3h36
